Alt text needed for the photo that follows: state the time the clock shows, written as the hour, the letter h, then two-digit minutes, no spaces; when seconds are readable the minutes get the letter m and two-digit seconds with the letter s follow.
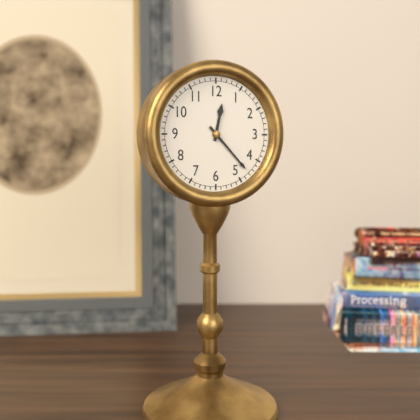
12h23
